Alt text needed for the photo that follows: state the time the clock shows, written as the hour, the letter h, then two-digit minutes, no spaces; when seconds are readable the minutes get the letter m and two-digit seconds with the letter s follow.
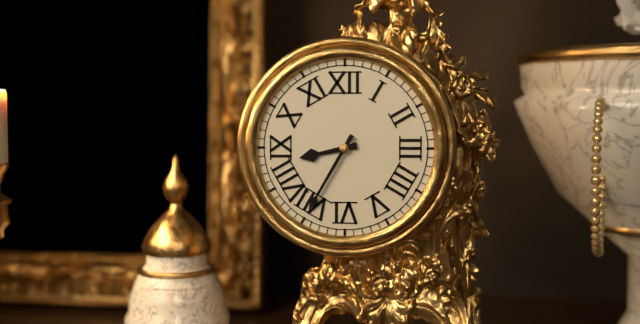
8h35
